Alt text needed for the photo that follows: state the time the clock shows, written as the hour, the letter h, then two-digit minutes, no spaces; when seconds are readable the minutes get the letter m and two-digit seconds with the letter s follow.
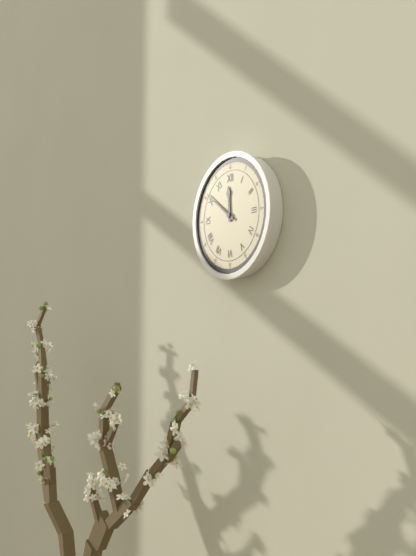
11h51
